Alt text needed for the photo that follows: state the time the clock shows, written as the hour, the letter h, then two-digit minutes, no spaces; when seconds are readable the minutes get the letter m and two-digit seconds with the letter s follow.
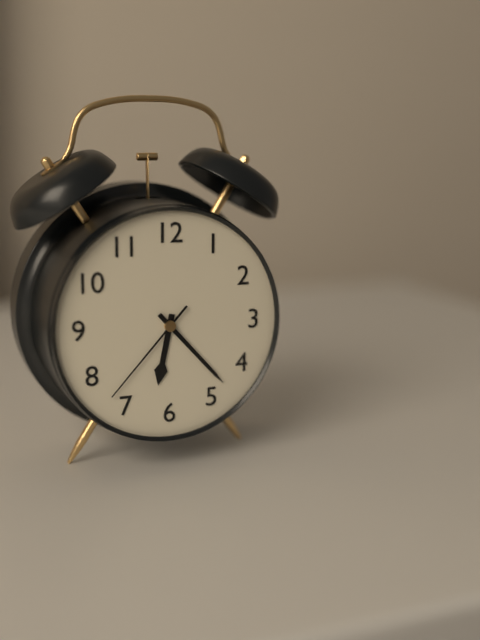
6h23m37s
